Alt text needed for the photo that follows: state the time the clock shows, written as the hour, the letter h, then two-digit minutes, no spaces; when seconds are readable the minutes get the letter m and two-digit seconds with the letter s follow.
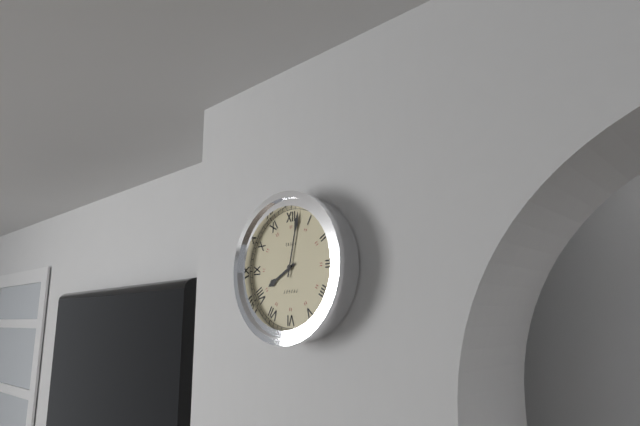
8h02
